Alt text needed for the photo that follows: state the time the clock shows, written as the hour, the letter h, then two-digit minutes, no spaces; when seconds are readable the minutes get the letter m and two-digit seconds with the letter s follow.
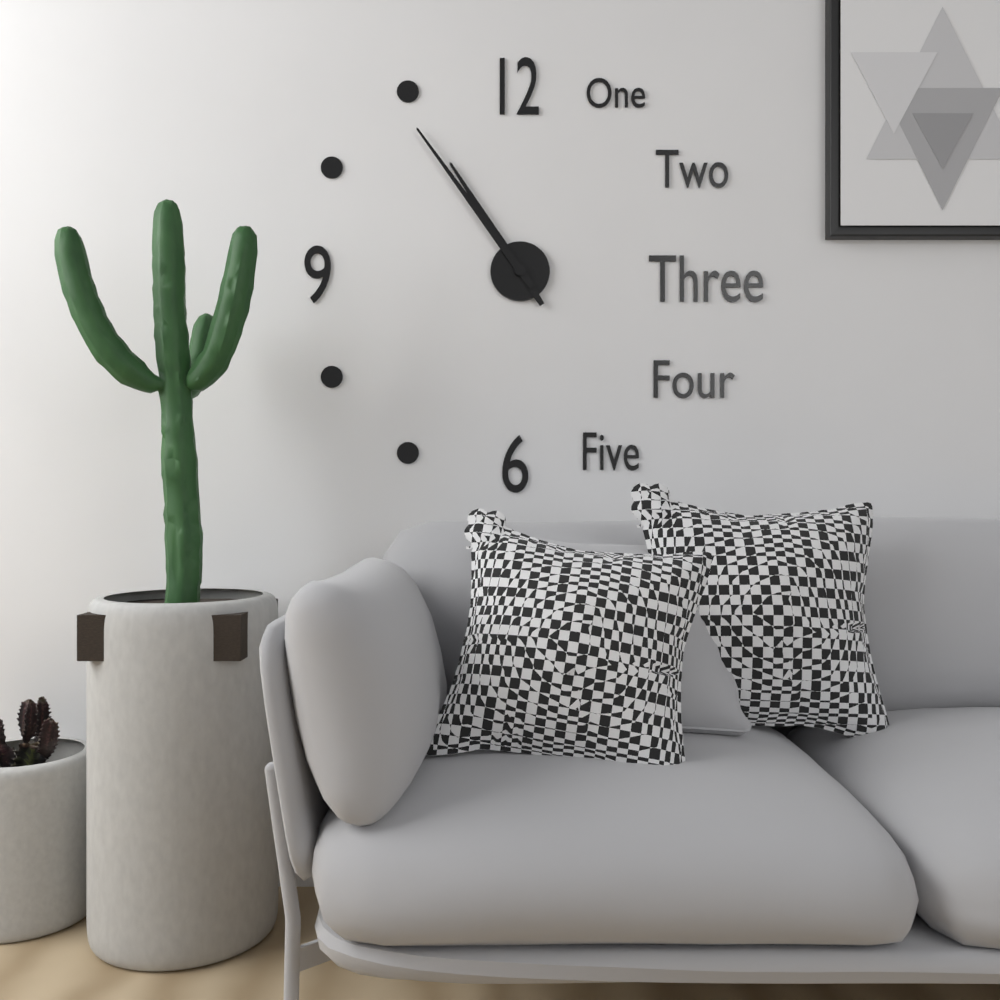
10h54
